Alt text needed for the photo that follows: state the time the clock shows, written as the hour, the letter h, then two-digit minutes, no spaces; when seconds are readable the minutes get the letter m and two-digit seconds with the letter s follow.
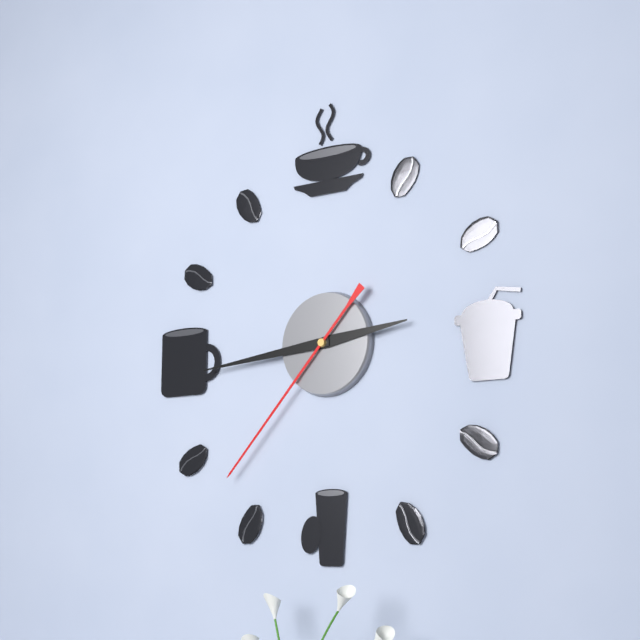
2h44m37s
